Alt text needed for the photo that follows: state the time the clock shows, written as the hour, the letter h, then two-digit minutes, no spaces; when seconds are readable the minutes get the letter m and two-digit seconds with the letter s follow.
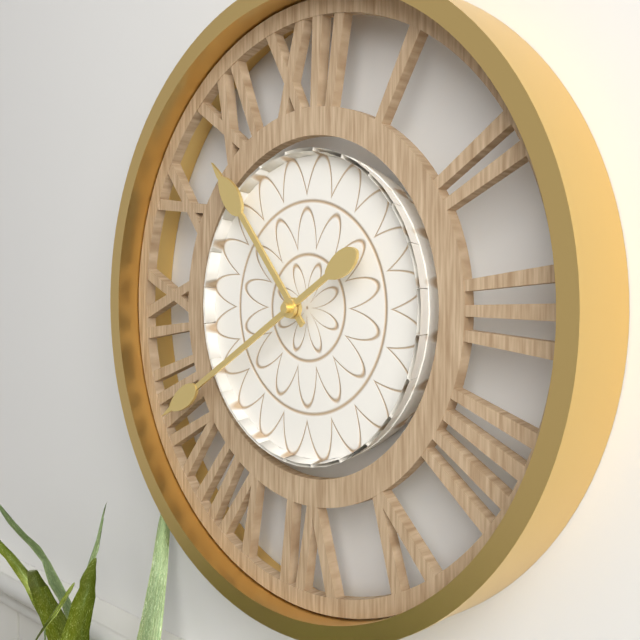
10h40
